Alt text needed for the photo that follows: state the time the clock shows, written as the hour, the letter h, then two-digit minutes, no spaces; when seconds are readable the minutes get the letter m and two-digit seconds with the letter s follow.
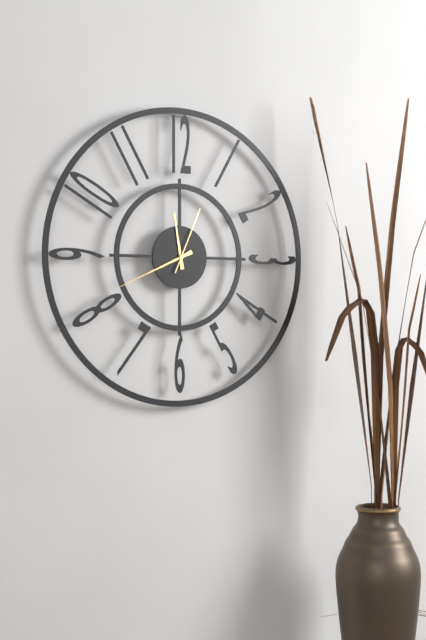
11h41m04s
